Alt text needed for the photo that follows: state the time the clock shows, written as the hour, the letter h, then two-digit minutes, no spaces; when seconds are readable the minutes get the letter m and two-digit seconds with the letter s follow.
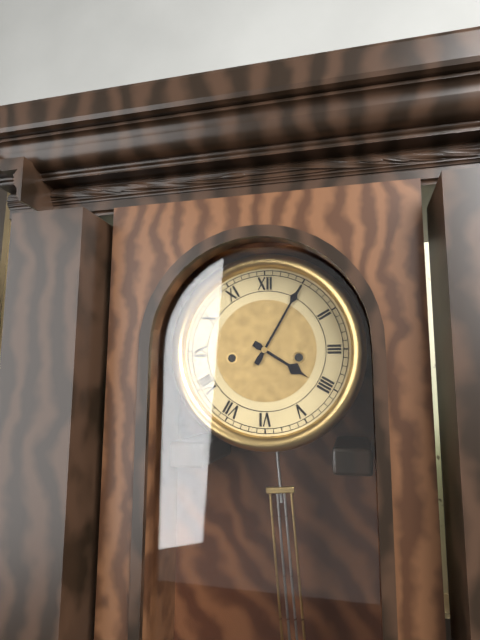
4h05
